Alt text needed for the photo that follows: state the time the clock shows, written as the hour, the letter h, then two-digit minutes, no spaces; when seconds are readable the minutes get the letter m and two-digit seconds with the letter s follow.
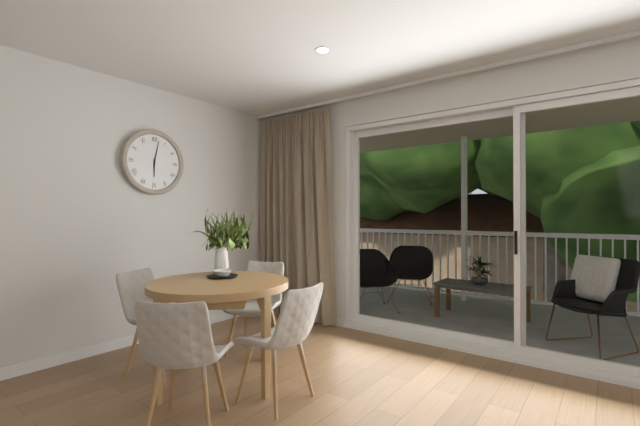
6h02
